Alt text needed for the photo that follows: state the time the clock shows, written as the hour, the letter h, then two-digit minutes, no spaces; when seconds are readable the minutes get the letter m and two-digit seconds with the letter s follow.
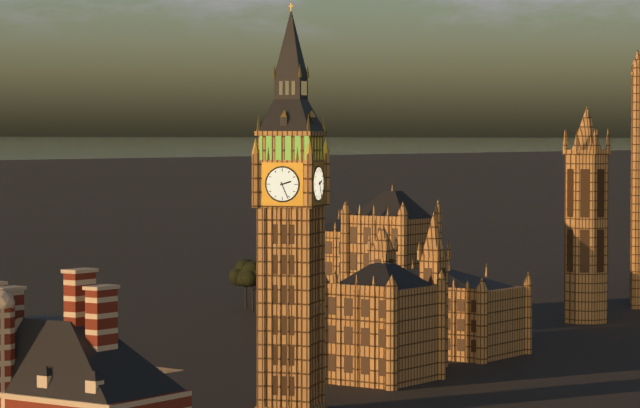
2h26
